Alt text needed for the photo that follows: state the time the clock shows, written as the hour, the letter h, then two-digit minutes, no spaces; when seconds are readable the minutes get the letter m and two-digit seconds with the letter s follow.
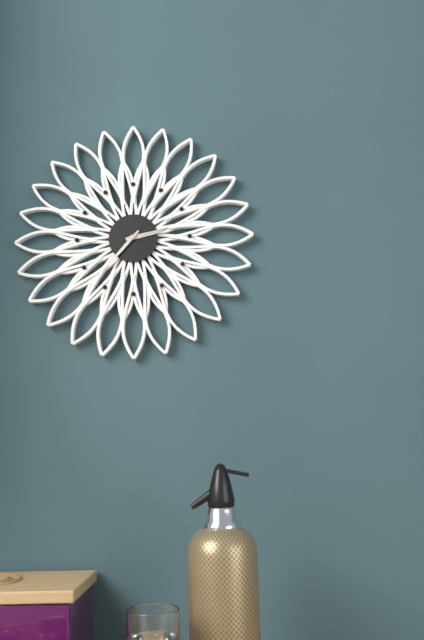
2h37
